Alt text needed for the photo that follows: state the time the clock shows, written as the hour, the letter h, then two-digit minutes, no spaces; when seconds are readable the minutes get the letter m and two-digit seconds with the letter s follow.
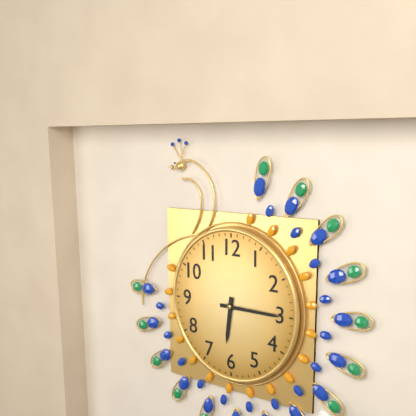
6h15
